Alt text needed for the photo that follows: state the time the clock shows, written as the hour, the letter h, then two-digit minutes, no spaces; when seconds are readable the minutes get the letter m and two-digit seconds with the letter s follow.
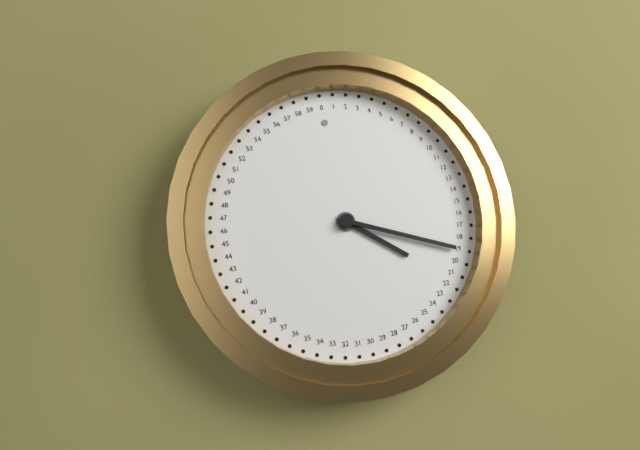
4h19
